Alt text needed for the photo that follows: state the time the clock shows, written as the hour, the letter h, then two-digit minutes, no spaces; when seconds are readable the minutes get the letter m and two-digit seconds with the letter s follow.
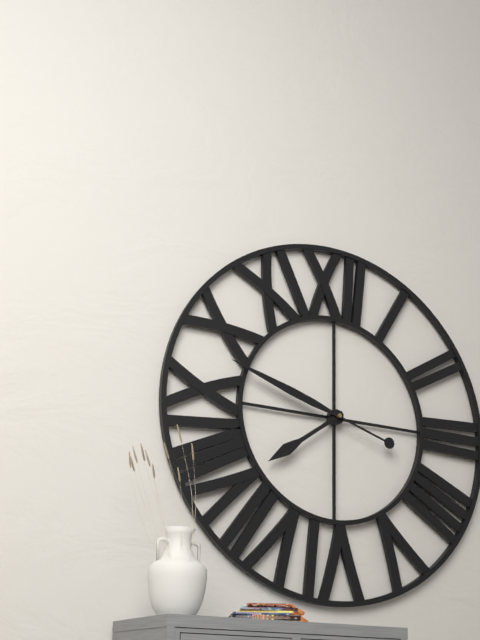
7h48
